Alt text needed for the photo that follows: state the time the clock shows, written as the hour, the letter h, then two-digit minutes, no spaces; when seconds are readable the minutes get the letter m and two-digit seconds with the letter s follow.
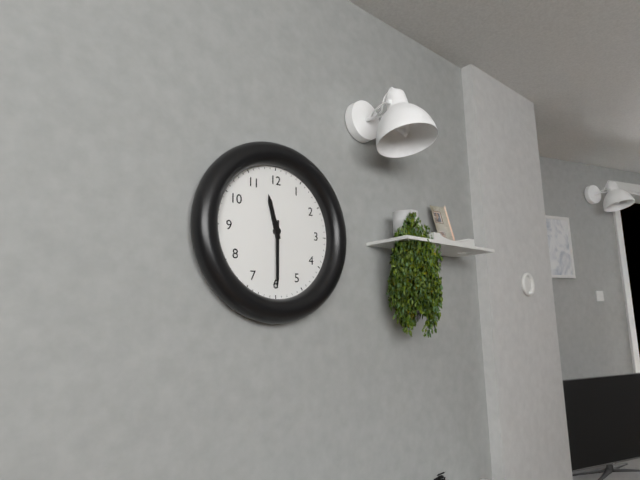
11h30
